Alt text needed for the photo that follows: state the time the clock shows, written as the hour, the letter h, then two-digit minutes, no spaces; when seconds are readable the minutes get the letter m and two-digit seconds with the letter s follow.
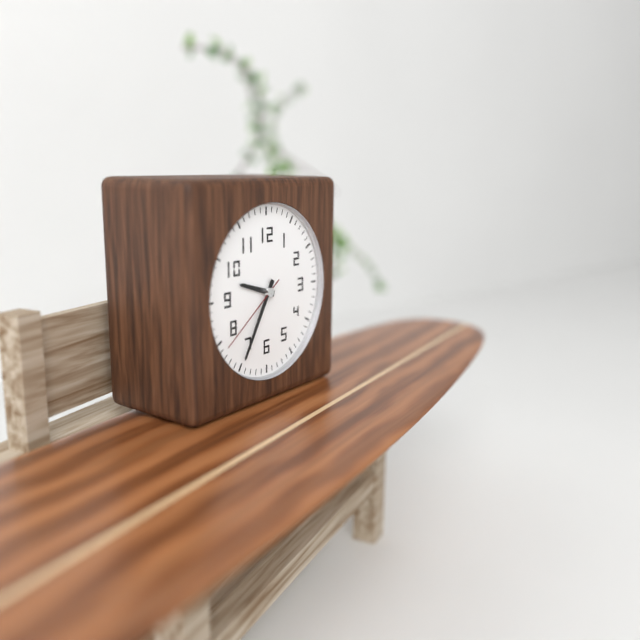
9h35m39s
